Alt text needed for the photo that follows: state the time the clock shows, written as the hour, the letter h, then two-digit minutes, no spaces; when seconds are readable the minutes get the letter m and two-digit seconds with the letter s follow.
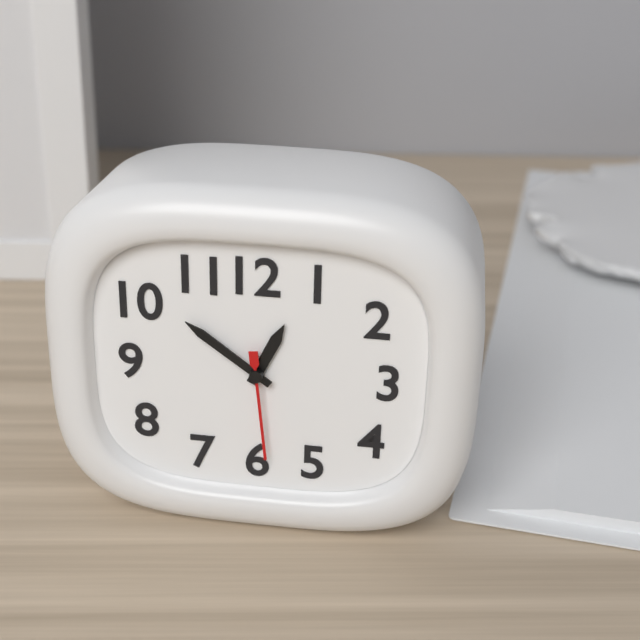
12h51m29s
